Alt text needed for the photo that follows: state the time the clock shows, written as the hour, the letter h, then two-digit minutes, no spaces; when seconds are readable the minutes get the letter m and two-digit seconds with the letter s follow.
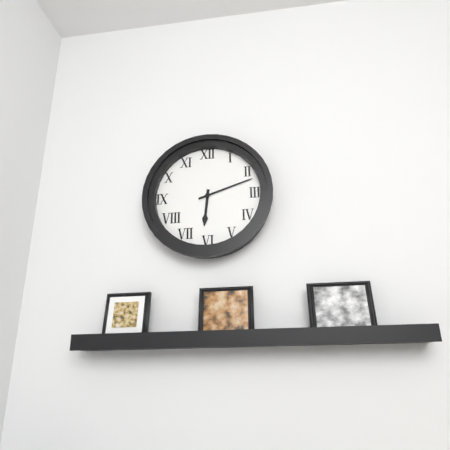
6h12
